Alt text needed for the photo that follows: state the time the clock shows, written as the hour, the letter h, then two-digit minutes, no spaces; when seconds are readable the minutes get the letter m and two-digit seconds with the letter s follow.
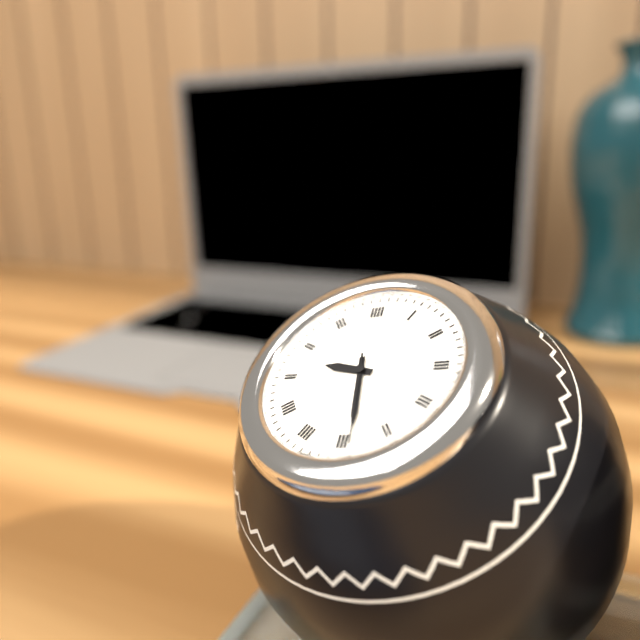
9h29m29s
